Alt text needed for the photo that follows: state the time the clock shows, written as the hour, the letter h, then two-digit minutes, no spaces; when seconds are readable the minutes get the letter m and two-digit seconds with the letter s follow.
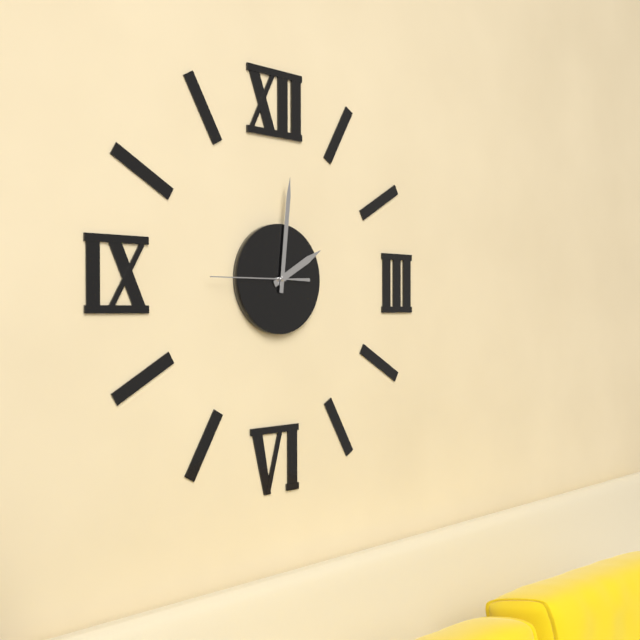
2h01m45s
